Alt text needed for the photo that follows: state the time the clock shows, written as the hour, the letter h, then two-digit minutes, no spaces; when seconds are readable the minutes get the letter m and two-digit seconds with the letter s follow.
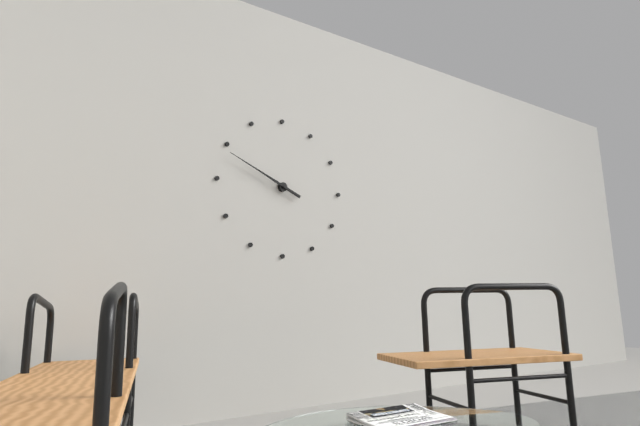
9h49
